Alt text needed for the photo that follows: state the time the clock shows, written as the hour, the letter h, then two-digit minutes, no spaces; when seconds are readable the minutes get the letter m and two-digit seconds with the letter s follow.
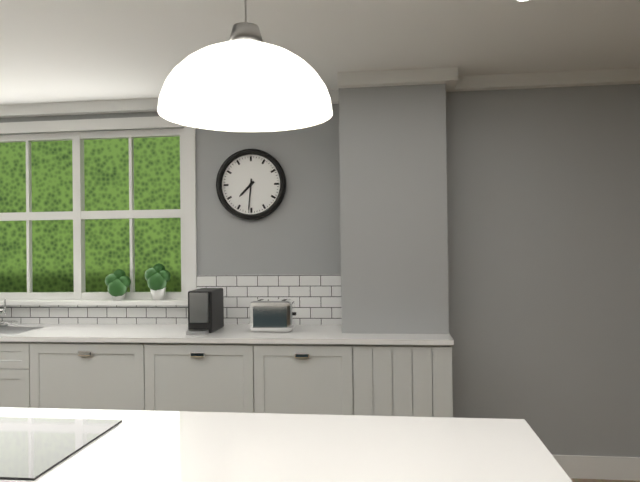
7h31
